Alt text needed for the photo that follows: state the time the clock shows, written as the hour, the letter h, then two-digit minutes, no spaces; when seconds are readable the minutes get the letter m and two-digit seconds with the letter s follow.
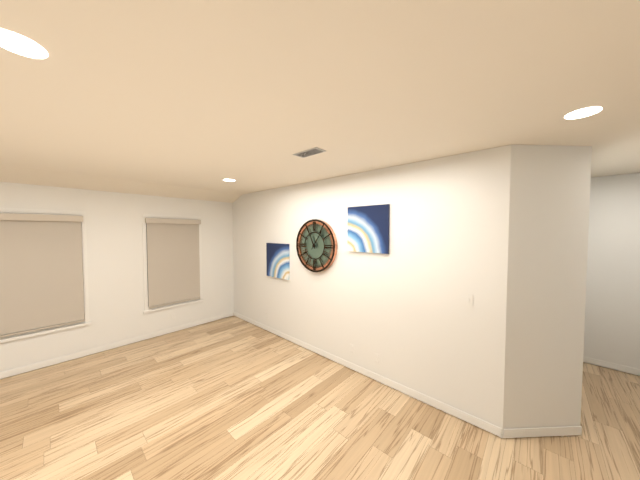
11h06
